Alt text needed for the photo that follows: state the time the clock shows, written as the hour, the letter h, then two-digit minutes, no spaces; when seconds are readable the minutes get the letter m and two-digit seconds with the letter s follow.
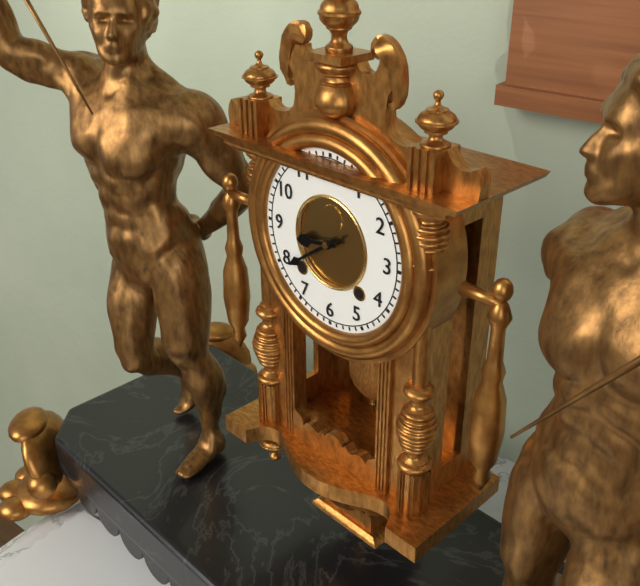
8h39
